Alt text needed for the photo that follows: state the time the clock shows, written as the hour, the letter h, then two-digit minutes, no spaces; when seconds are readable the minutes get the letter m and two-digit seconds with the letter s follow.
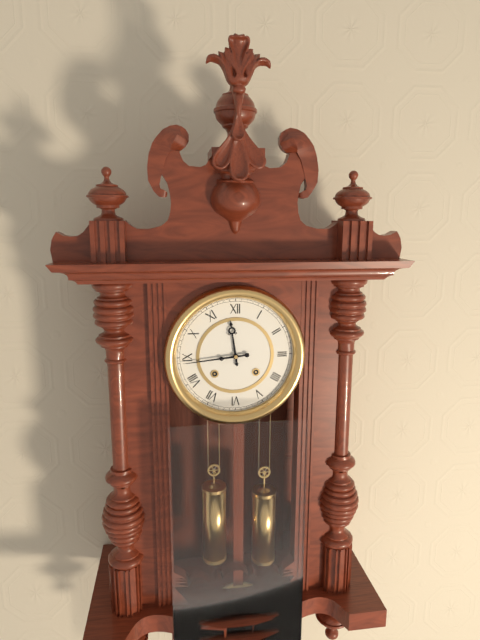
11h44
